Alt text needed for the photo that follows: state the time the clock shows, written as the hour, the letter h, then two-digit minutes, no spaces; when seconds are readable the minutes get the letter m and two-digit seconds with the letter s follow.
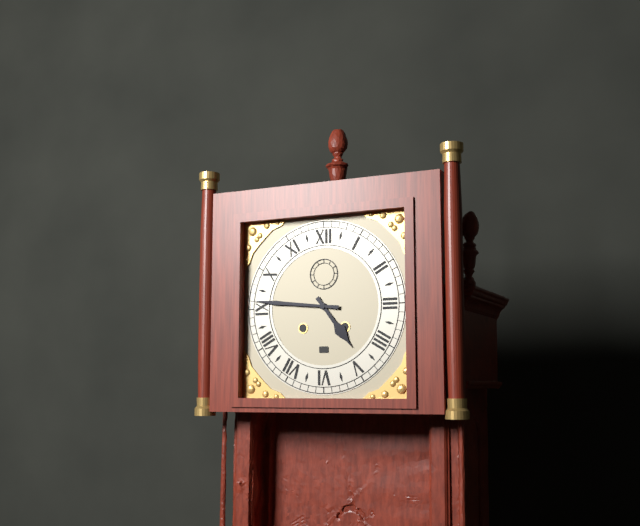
4h46
